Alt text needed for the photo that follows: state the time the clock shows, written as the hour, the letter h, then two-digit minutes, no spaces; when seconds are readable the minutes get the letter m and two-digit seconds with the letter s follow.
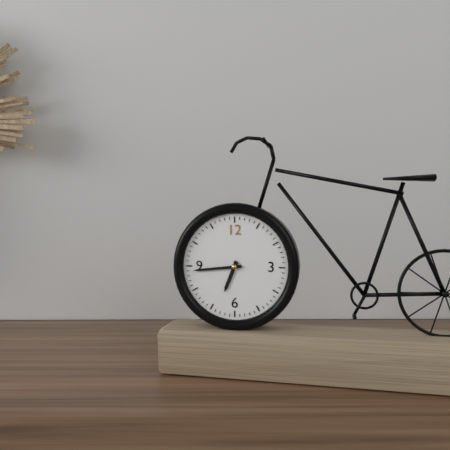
6h44
